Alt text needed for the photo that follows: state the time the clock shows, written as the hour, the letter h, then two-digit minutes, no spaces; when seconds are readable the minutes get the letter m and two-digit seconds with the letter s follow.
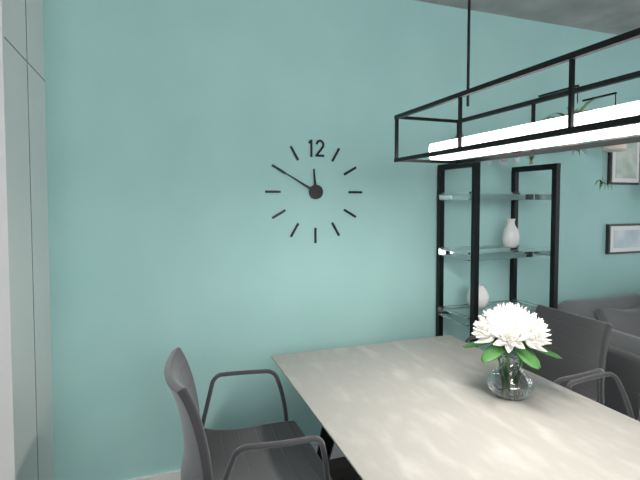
11h50
